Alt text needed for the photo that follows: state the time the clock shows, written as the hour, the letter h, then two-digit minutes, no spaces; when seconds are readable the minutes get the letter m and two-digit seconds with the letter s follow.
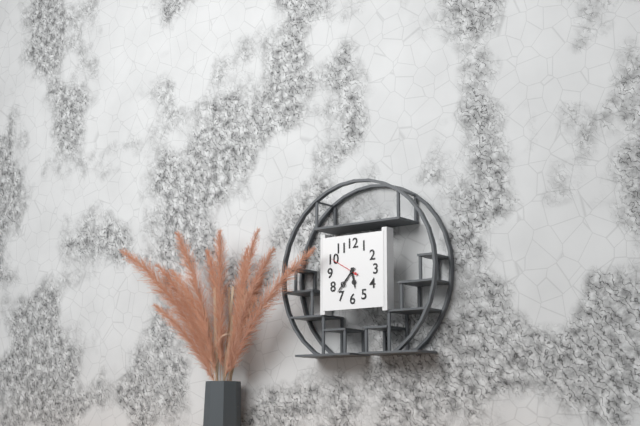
5h37
